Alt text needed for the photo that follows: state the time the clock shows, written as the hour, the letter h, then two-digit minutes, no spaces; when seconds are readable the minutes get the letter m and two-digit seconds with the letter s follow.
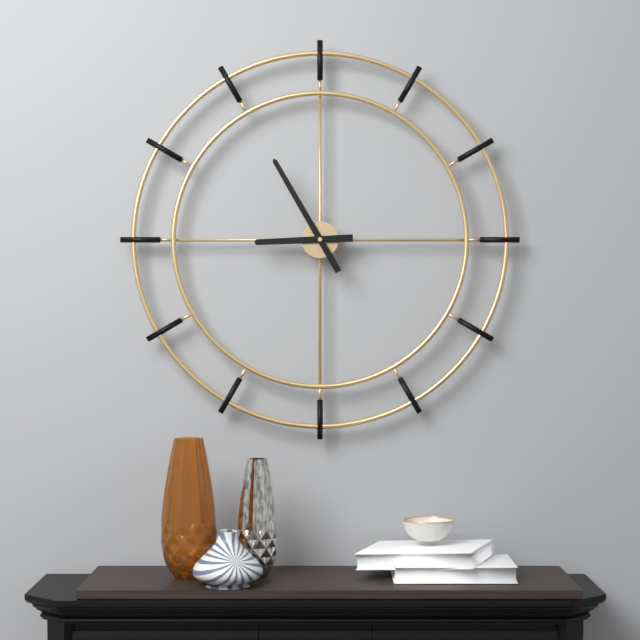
8h55
